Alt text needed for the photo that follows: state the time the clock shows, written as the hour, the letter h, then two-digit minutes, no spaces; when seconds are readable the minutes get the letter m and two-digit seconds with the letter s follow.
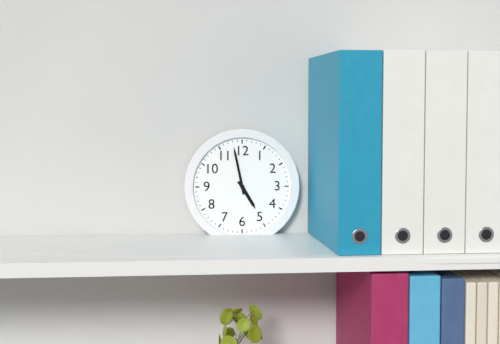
4h58
